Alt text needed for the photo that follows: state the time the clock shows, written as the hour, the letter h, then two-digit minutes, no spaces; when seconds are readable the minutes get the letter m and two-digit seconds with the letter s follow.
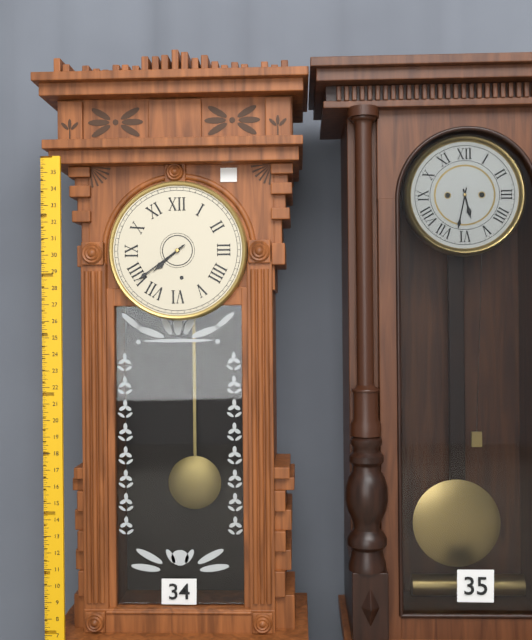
7h39
